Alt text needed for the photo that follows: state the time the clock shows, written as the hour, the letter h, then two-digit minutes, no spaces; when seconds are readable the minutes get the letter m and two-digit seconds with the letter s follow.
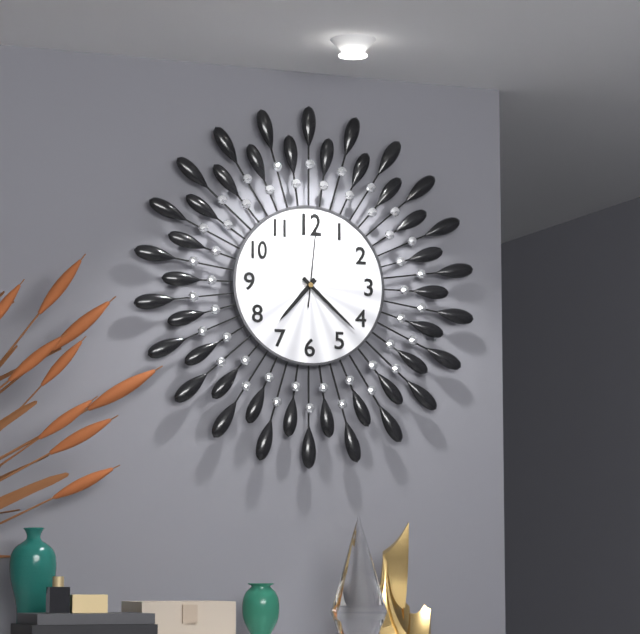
7h22m01s
